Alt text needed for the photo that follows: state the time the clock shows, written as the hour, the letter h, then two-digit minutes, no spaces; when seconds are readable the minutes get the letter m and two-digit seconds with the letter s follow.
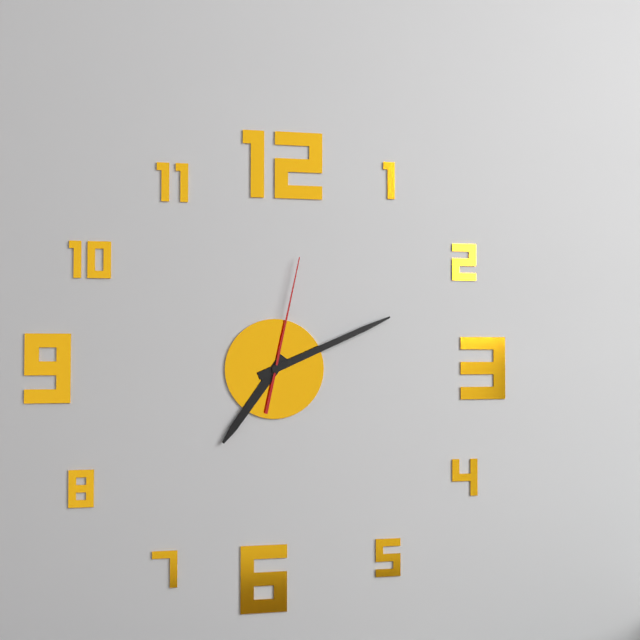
7h11m02s
